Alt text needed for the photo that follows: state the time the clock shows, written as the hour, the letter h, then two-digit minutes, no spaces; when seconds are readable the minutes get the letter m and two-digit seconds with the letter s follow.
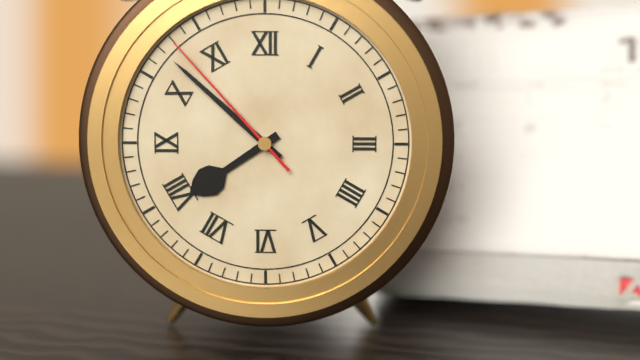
7h52m53s
